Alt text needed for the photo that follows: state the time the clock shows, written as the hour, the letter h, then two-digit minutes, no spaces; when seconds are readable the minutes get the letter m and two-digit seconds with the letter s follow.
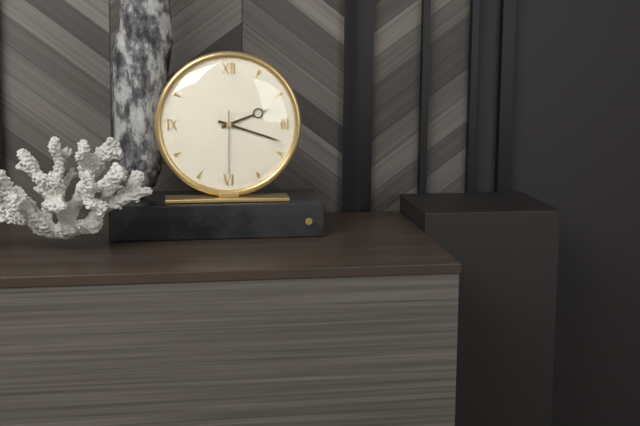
2h18m30s
